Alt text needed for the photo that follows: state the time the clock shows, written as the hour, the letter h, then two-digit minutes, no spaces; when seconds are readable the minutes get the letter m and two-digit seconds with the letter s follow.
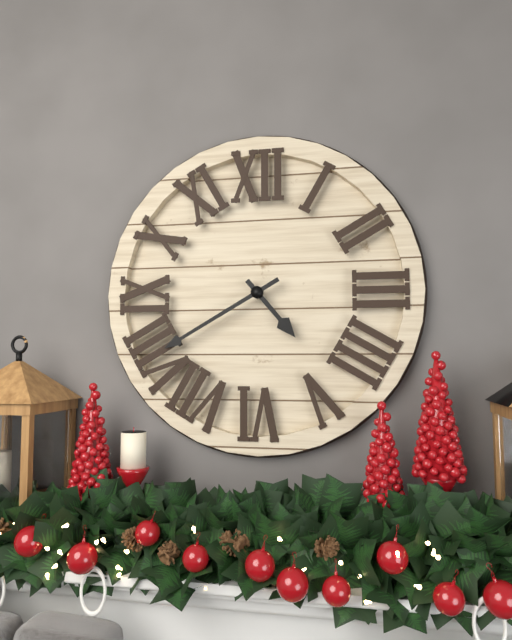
4h40
